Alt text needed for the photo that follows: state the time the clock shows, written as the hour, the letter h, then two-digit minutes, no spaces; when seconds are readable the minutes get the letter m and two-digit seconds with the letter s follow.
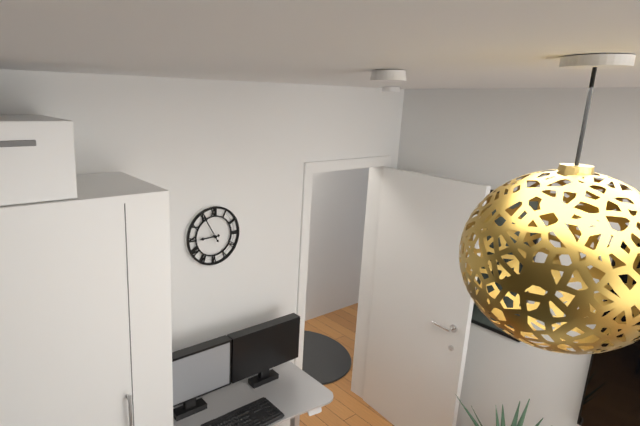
8h55
